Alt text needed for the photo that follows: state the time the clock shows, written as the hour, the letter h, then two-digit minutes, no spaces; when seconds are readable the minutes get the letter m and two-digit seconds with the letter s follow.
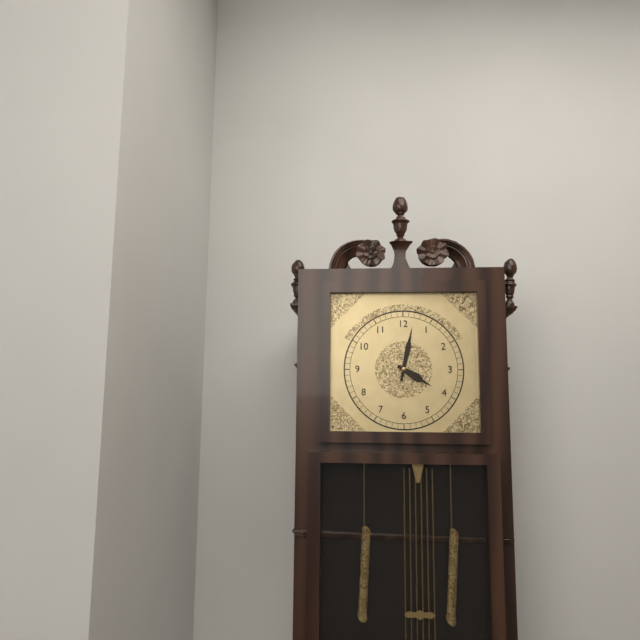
4h02
